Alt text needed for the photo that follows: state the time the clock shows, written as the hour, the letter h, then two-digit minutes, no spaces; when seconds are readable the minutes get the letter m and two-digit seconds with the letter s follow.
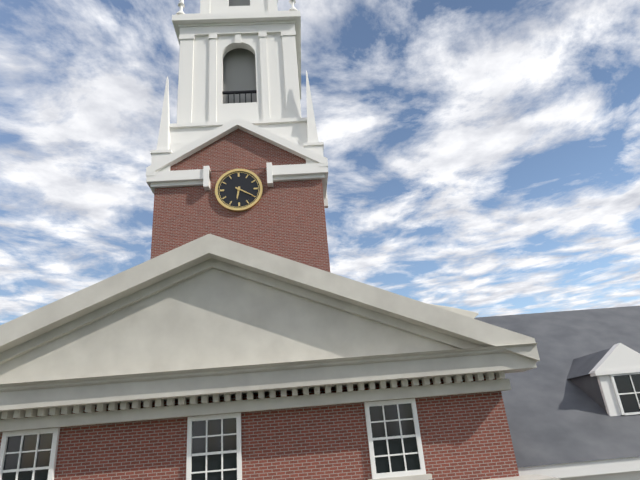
6h20
